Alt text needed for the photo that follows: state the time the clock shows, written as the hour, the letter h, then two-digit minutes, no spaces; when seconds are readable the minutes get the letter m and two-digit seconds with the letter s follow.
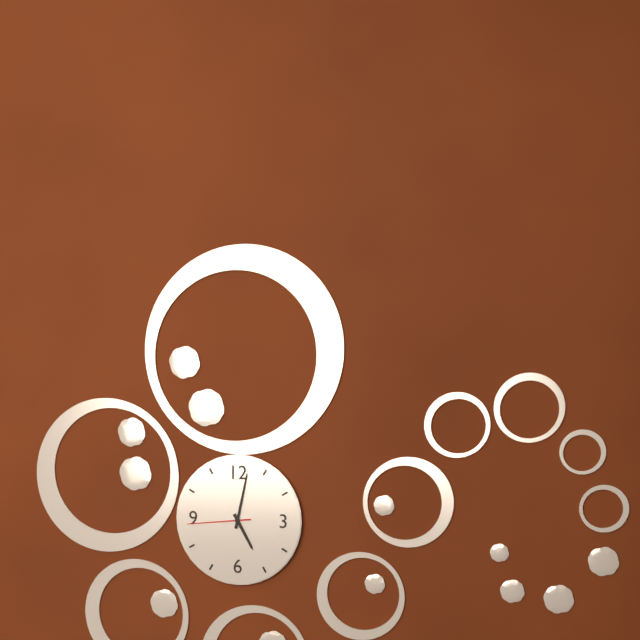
5h02m44s
